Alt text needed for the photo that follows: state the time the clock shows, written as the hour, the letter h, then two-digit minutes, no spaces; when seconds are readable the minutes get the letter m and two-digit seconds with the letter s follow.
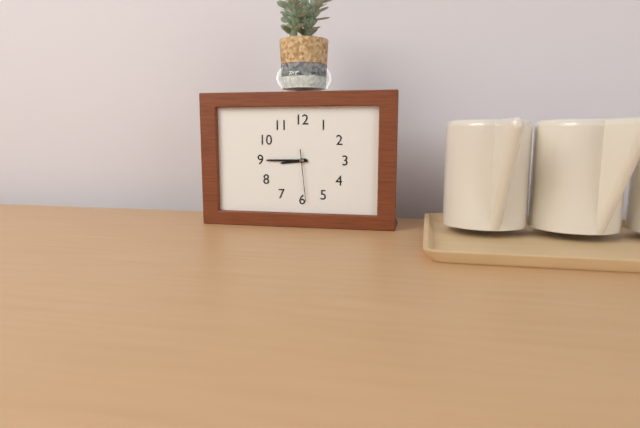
8h45m29s
